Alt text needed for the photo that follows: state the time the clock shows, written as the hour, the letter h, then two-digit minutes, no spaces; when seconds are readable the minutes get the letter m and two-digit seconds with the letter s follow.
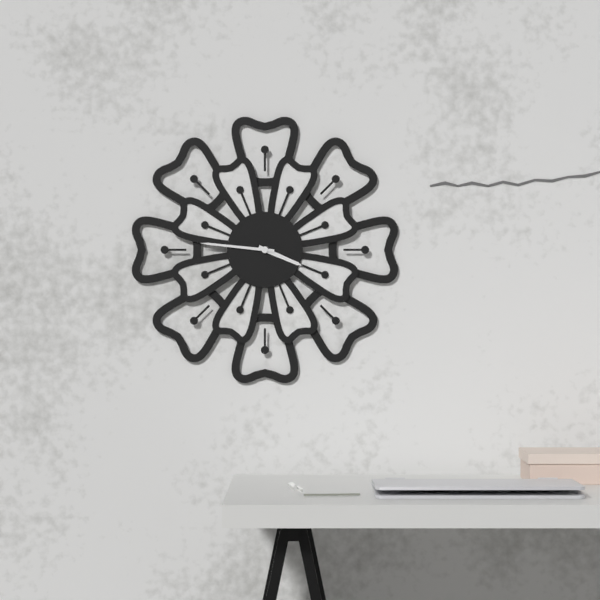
3h46
